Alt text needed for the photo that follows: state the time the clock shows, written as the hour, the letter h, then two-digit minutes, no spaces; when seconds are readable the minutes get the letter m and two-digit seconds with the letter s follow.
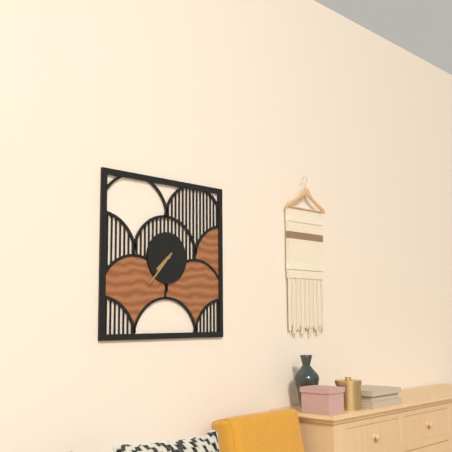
7h37
